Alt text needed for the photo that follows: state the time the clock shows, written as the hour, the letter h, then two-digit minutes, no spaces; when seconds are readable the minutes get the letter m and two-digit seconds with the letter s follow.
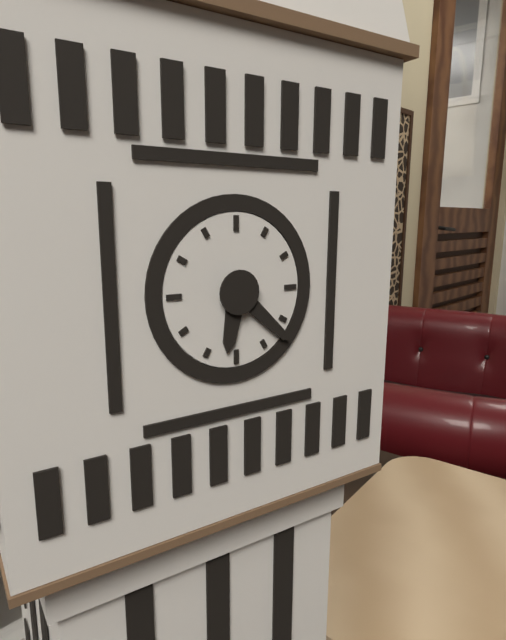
6h22
